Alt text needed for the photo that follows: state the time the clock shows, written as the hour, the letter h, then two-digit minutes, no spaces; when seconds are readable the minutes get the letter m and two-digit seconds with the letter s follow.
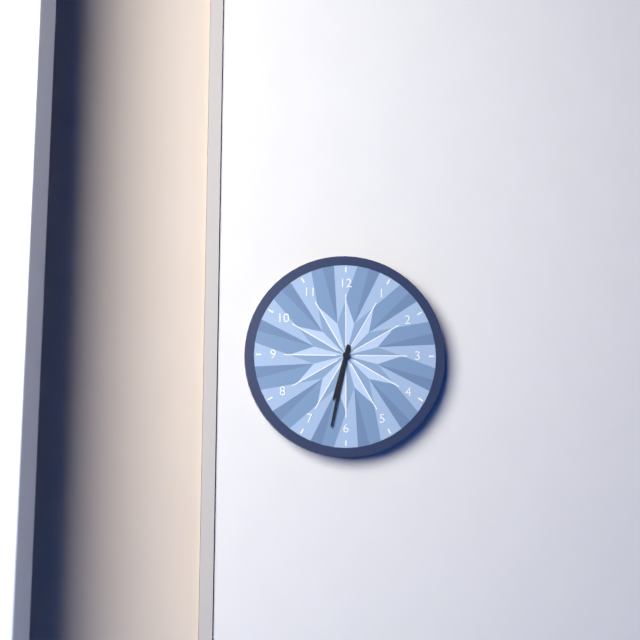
6h32
